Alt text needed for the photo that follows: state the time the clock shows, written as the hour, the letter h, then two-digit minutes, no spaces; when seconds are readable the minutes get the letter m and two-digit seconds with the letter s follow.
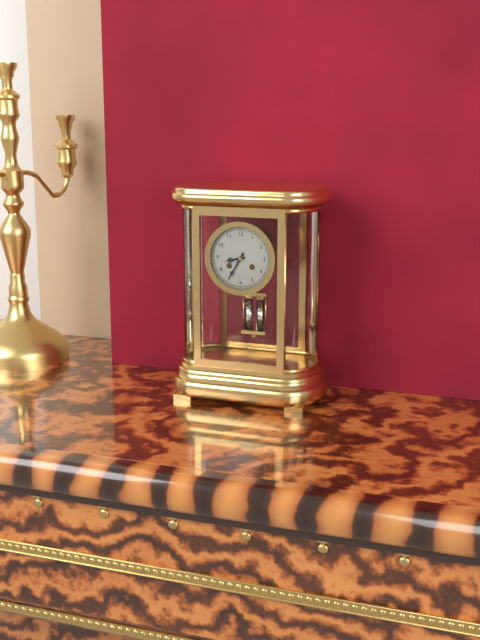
8h35
